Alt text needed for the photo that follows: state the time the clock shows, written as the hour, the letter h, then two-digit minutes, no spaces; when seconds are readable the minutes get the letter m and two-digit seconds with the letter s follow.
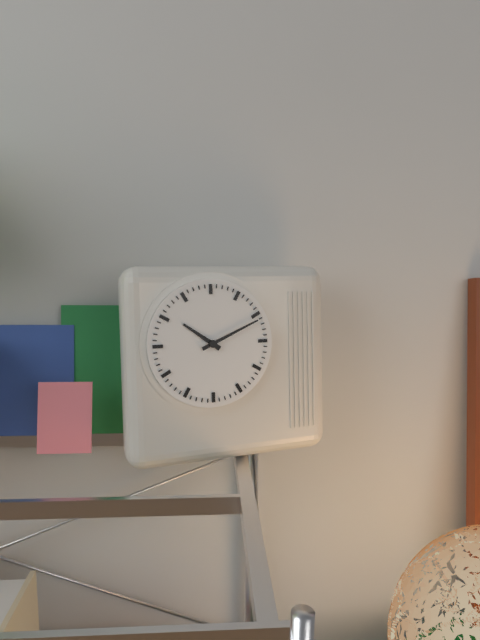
10h11
